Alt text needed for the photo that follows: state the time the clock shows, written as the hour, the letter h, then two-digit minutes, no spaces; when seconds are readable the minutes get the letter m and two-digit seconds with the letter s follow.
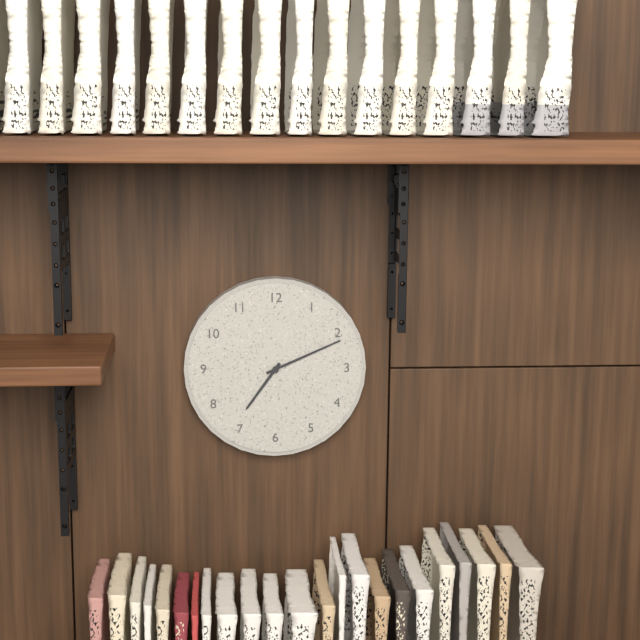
7h11
